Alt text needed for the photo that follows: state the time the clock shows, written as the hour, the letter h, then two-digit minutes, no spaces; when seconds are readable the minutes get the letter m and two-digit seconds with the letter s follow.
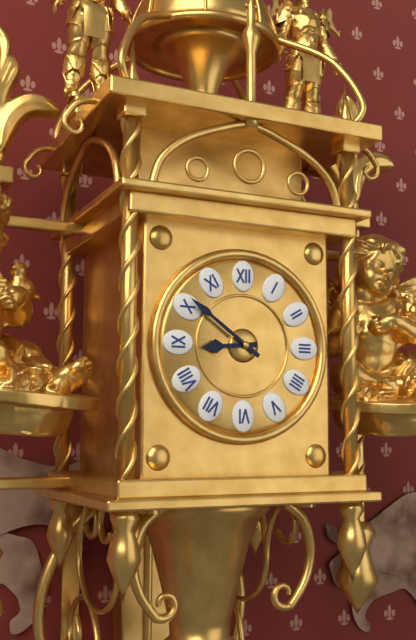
8h51
